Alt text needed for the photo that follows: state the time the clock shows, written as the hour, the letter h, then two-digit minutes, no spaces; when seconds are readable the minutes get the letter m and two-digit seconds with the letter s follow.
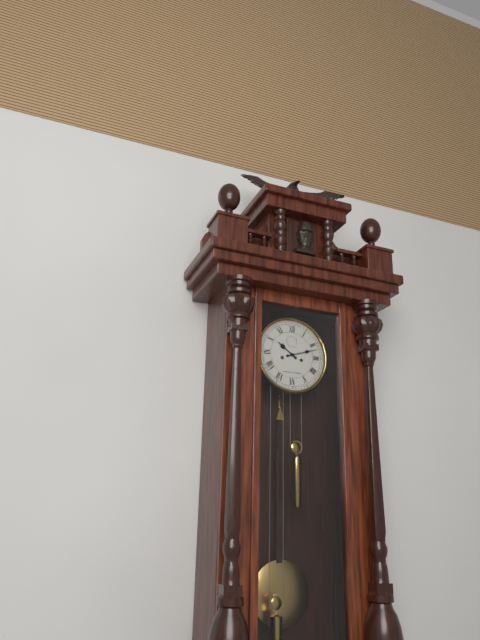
10h12
